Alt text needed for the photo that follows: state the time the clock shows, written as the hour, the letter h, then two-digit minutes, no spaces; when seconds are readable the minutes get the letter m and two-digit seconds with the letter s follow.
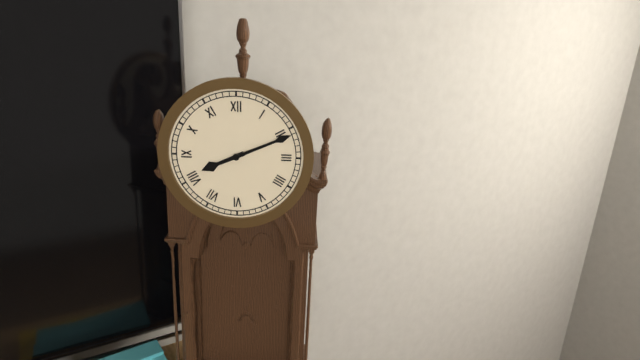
8h11
